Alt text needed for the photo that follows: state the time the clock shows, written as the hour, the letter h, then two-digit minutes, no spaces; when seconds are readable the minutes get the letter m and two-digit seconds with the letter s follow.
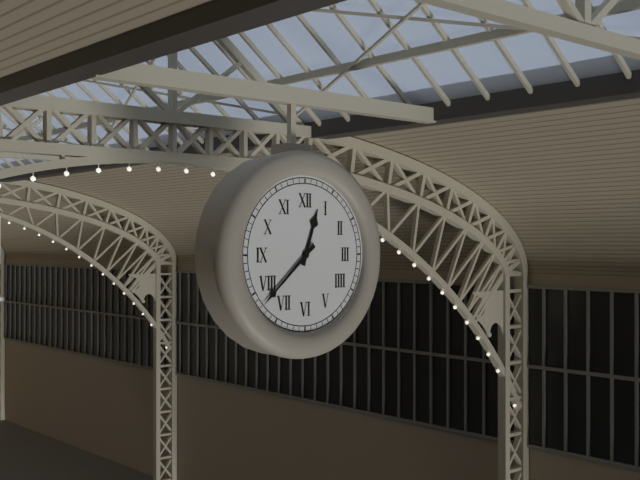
12h38
